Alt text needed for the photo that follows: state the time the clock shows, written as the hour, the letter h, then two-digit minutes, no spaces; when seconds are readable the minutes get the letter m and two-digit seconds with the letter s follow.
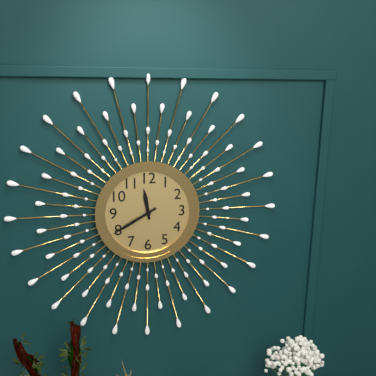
11h40
